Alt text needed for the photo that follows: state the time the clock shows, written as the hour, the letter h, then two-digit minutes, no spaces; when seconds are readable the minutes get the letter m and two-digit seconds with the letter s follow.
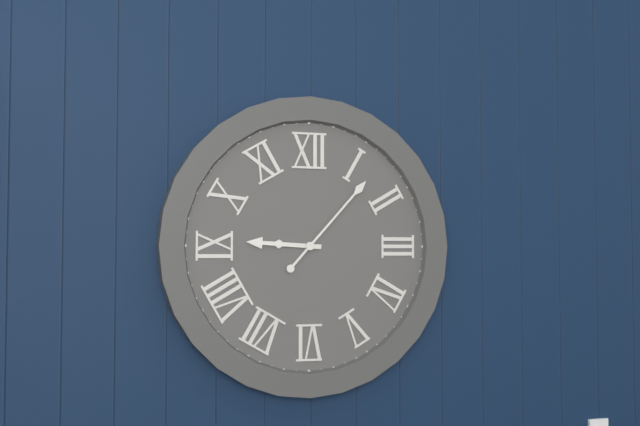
9h07
